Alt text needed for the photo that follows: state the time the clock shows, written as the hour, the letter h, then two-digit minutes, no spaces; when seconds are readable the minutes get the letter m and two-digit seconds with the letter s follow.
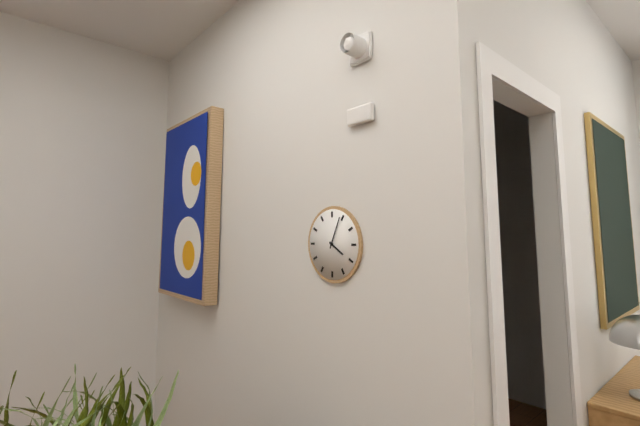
4h04
